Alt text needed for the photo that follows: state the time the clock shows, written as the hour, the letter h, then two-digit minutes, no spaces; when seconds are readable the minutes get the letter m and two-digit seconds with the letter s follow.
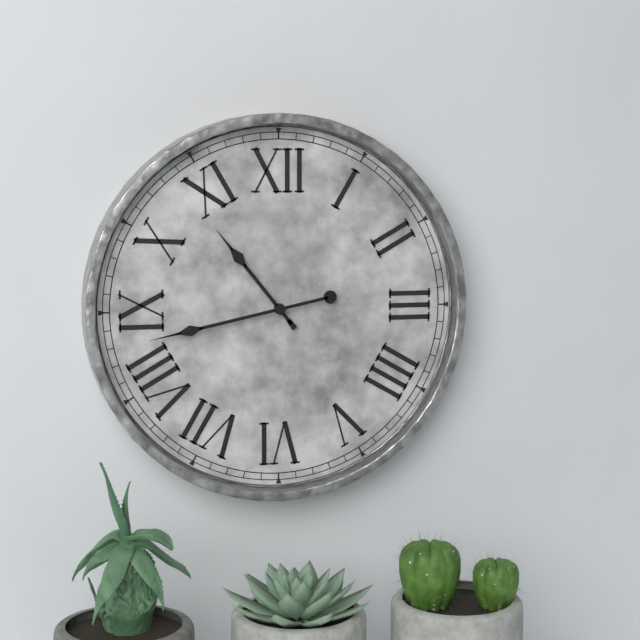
10h43
